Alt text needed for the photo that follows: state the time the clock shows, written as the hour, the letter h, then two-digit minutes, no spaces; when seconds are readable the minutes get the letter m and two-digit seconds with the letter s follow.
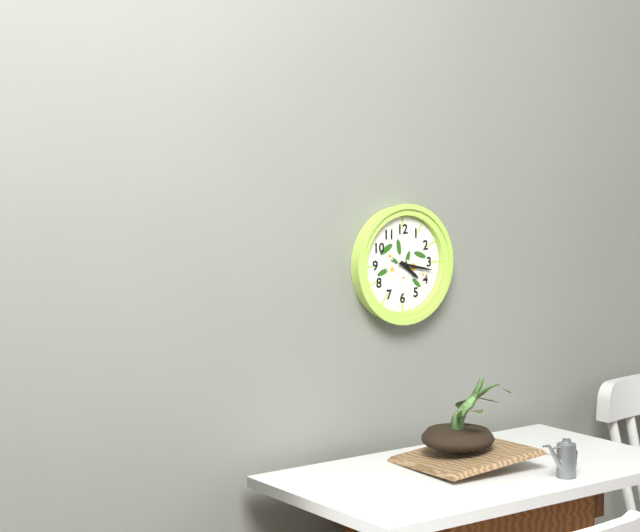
4h17
